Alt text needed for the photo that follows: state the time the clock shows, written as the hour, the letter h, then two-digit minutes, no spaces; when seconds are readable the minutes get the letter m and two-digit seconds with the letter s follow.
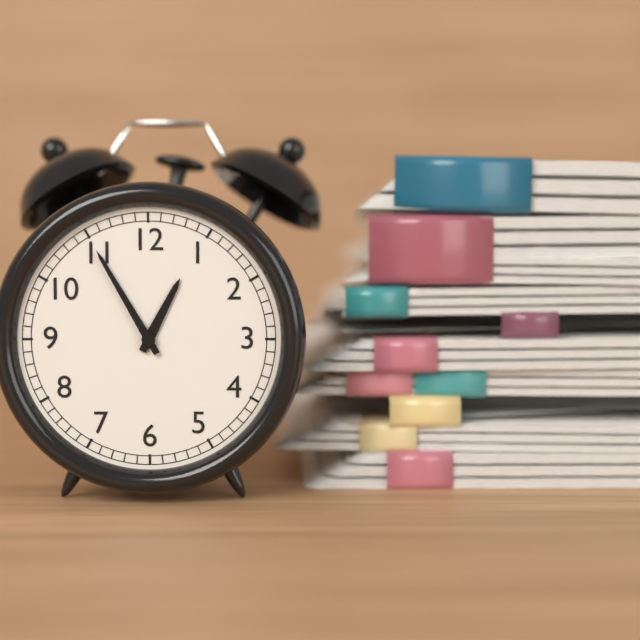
12h55
